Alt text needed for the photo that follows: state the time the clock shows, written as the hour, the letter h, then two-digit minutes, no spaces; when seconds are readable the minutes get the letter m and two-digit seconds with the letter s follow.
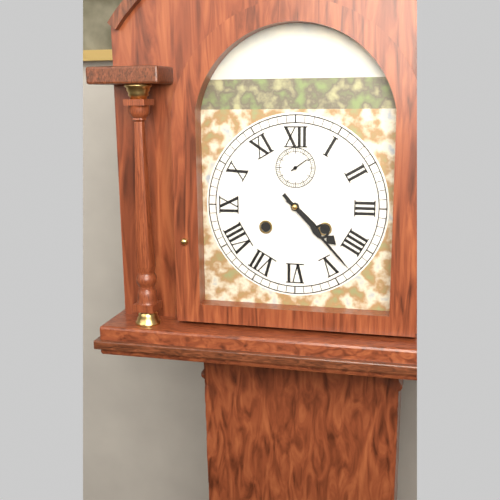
4h23
